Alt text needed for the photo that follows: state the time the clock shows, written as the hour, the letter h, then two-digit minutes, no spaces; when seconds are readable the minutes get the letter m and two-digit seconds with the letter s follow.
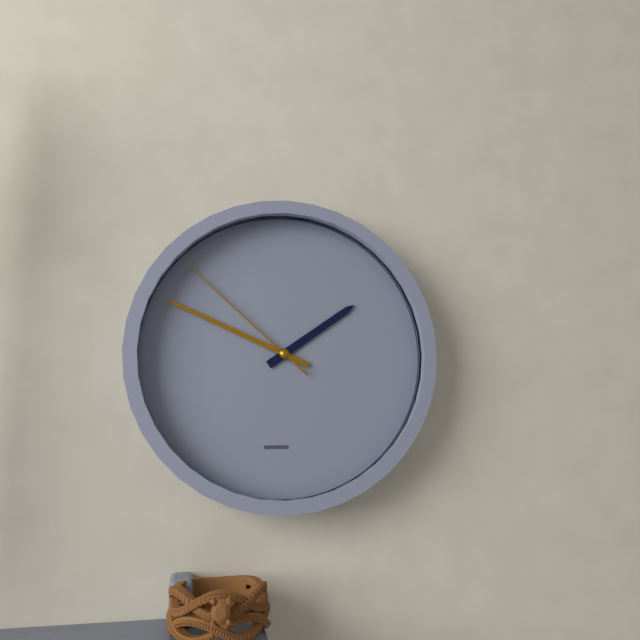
1h49m52s
